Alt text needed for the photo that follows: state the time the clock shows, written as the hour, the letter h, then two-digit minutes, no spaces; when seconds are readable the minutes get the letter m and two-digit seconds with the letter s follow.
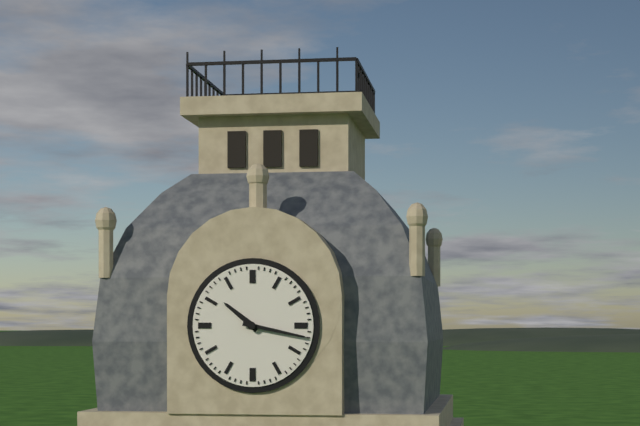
10h17
